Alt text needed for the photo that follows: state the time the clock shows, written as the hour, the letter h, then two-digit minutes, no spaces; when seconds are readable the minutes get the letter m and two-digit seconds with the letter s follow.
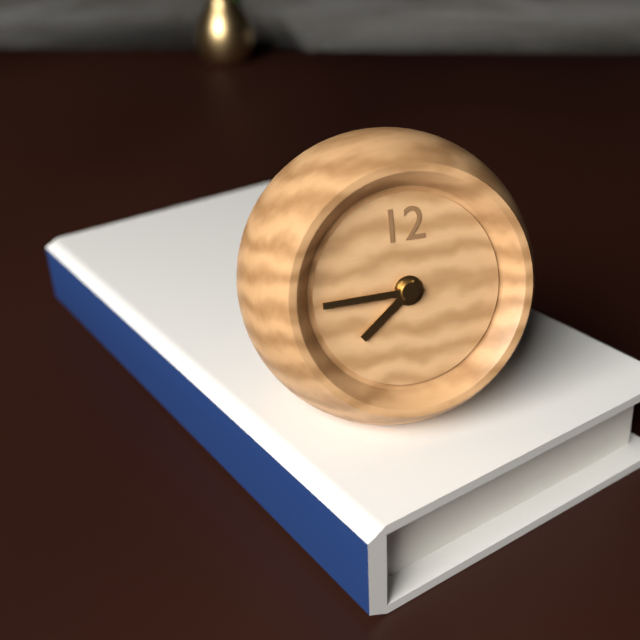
7h45
